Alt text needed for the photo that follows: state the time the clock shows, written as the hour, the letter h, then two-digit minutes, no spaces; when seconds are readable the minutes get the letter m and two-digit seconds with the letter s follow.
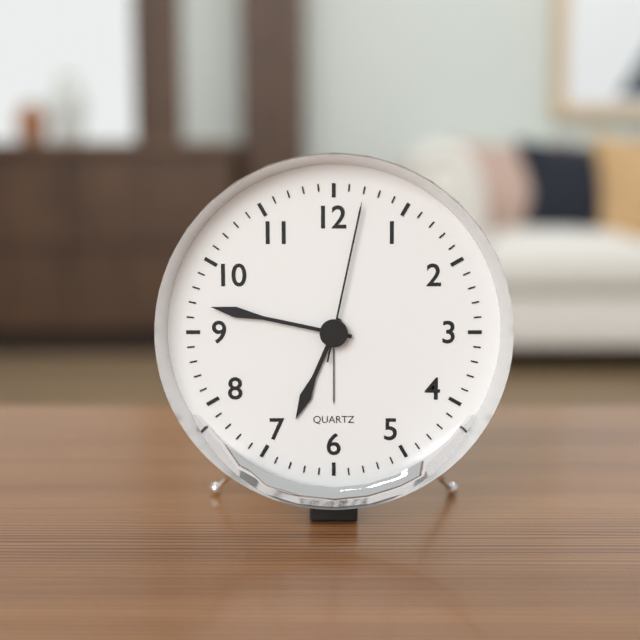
6h47m02s
